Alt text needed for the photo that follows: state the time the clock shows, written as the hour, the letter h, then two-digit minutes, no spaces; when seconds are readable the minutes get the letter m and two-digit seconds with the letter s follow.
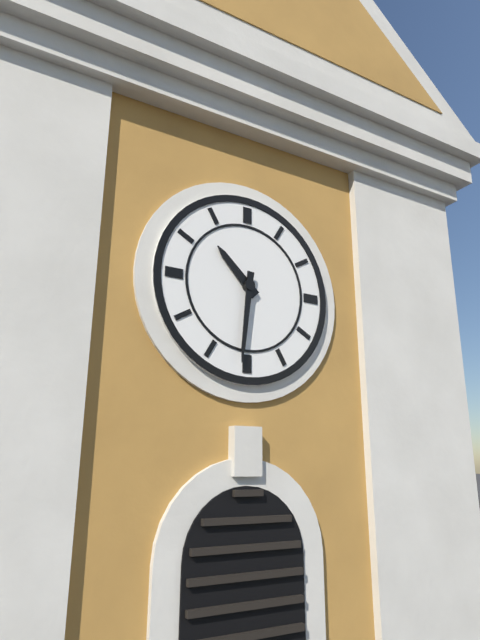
10h31
